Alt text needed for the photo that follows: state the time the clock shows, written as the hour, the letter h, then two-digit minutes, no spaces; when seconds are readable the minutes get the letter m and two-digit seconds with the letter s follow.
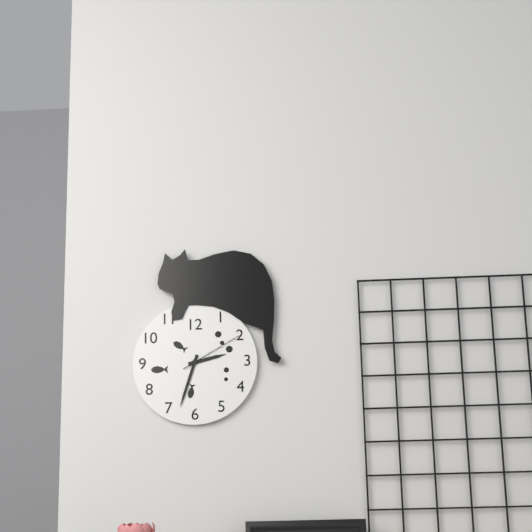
2h33m10s
